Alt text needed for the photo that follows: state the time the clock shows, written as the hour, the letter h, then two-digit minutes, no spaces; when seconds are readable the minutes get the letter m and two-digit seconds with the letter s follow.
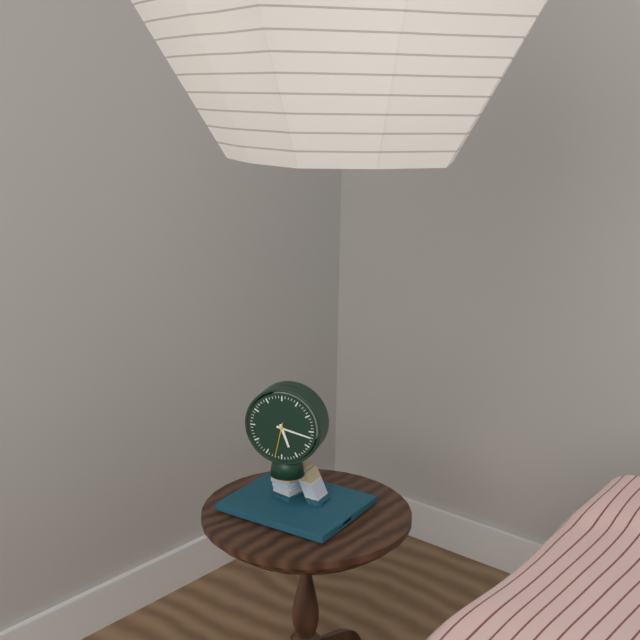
5h17
